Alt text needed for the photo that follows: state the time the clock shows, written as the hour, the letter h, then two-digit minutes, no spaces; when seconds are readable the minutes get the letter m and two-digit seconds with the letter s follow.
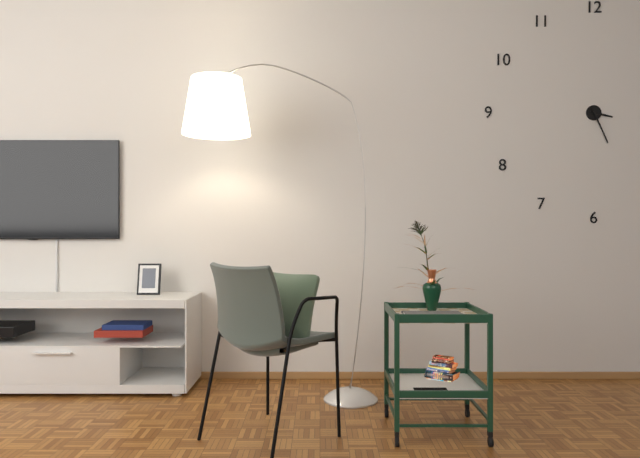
3h26
